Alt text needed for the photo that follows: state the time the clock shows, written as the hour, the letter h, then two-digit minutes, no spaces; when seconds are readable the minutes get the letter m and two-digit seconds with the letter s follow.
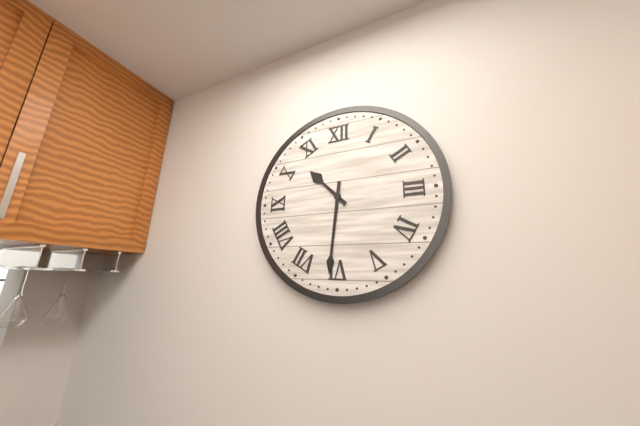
10h31
